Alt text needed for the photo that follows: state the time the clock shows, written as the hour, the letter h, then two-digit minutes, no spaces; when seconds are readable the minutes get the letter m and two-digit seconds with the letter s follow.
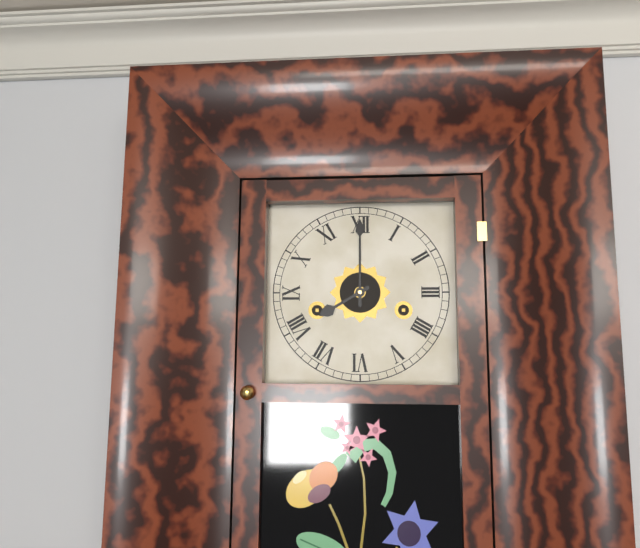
8h00
